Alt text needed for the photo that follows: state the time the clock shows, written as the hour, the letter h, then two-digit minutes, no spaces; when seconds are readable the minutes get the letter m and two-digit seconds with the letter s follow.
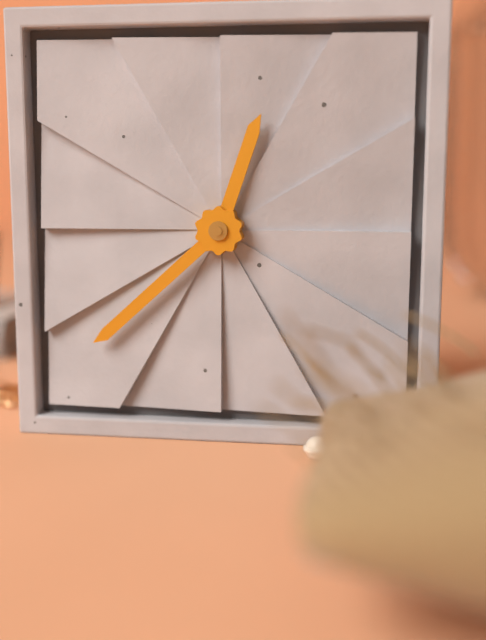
12h38
